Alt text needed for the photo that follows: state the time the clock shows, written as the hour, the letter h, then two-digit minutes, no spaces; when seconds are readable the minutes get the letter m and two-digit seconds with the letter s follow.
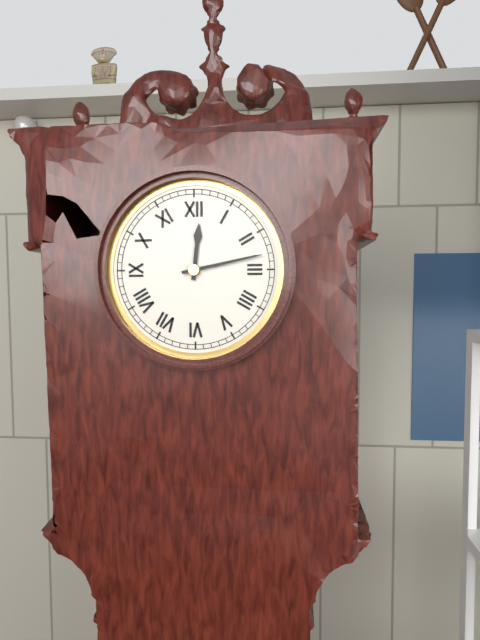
12h13
